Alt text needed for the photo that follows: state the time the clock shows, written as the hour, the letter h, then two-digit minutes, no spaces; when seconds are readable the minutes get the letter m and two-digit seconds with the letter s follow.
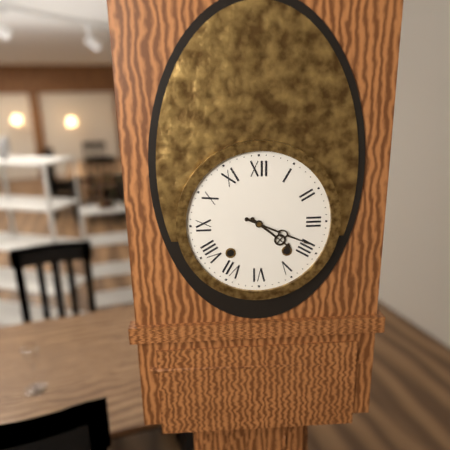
4h19
